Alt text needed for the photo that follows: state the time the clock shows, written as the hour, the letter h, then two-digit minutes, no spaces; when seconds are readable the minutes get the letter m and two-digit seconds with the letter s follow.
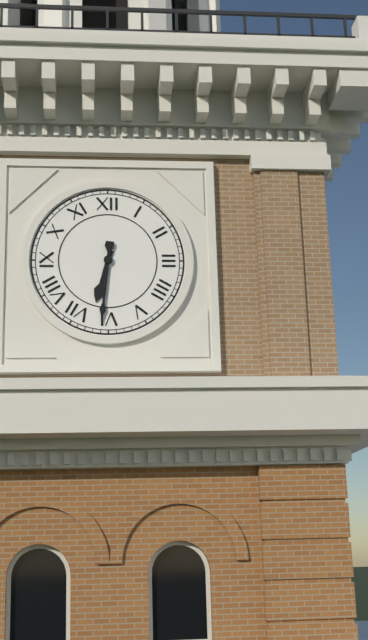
6h31
